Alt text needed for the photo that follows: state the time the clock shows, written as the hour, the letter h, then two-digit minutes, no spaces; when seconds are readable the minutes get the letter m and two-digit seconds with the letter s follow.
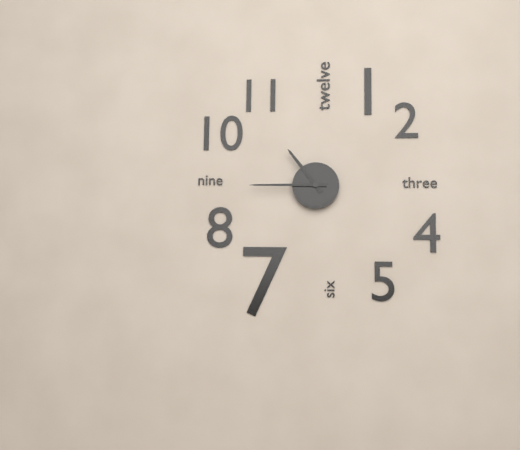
10h45
